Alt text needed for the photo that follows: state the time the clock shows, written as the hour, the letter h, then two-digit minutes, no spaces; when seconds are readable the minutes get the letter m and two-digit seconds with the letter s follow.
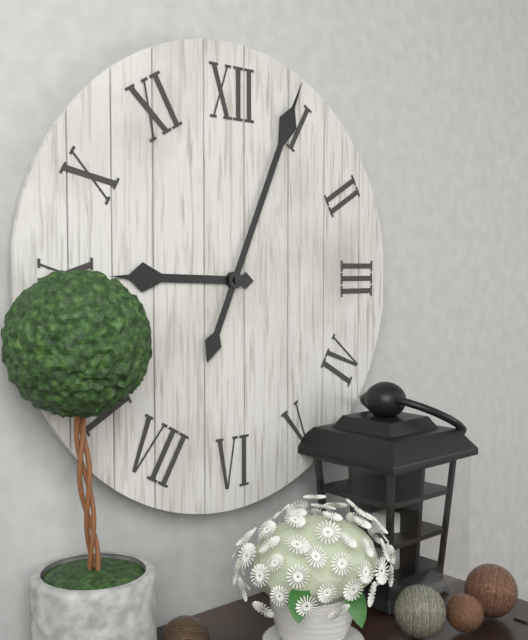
9h04
